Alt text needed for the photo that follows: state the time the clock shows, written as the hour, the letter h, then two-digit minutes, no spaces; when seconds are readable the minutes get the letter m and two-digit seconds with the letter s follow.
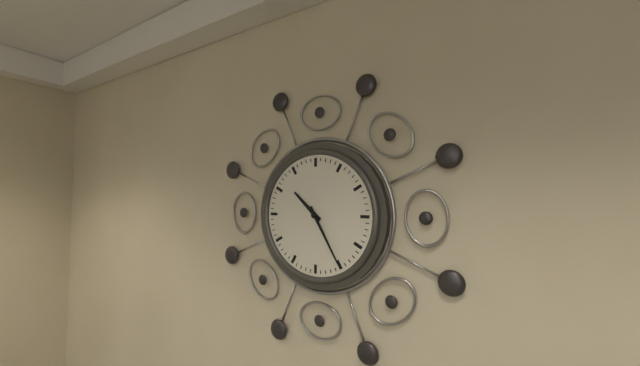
10h25
